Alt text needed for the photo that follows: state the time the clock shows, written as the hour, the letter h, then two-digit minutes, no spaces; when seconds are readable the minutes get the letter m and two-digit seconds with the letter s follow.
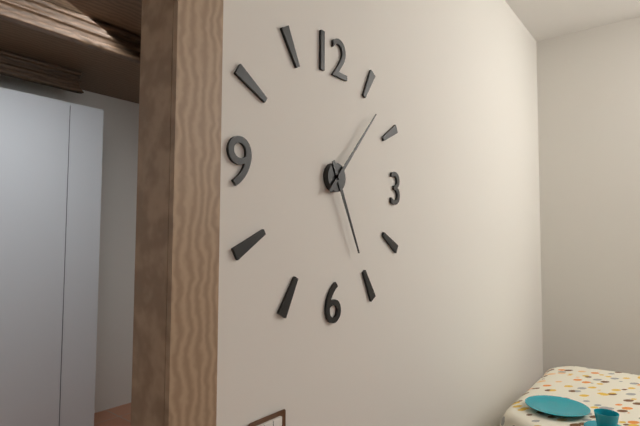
5h07
